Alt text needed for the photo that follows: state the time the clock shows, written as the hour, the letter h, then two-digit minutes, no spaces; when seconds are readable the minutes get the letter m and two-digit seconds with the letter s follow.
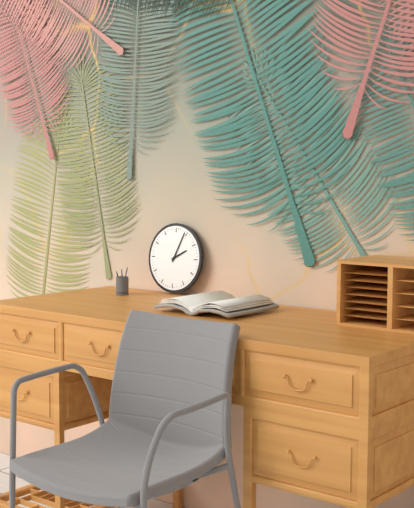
2h04
